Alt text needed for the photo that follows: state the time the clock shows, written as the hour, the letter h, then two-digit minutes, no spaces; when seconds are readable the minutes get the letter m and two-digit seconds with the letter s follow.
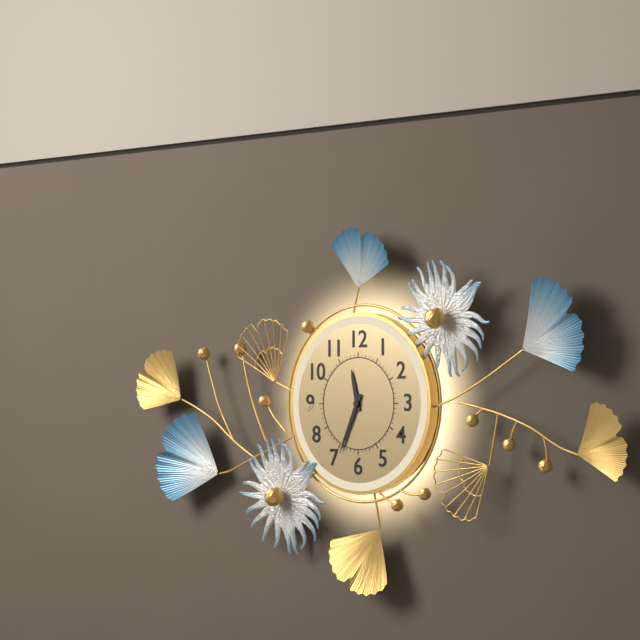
11h34
